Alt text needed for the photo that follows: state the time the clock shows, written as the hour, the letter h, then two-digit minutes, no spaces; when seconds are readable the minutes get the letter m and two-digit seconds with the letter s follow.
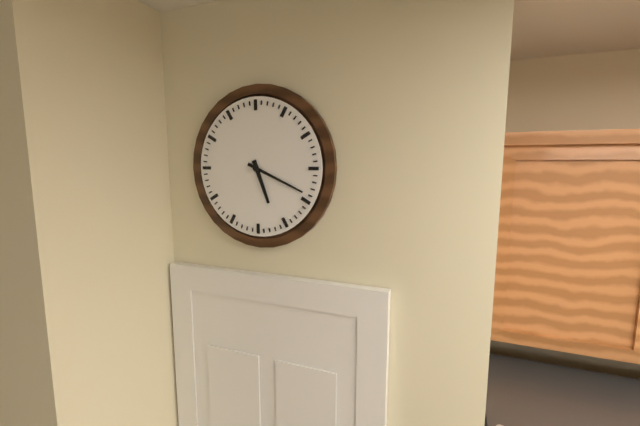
5h19
